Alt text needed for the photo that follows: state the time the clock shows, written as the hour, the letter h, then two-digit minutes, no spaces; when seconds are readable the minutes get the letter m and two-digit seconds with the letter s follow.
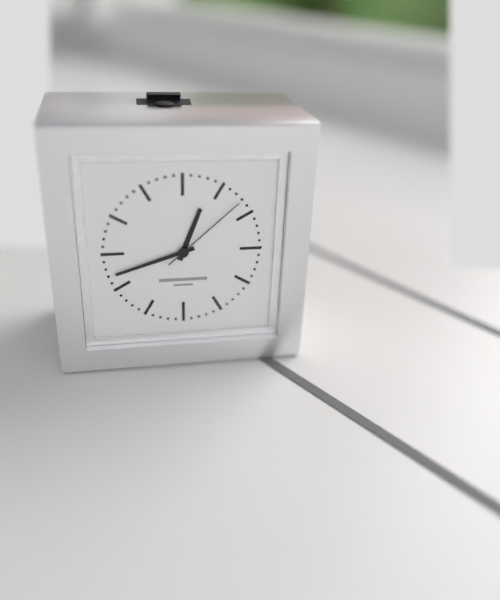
12h42m08s
